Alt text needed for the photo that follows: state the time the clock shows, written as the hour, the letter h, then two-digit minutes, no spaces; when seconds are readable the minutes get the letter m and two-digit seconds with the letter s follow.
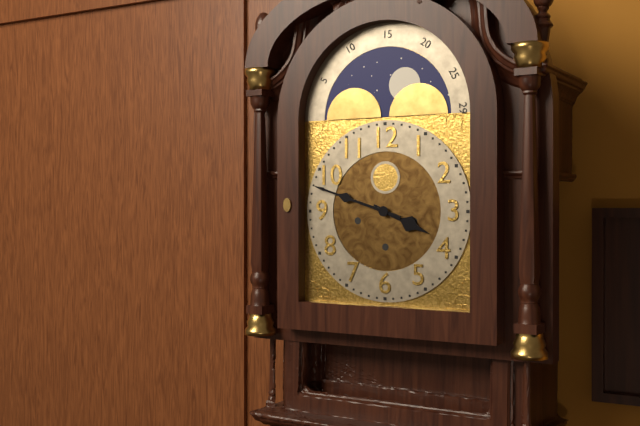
3h48
